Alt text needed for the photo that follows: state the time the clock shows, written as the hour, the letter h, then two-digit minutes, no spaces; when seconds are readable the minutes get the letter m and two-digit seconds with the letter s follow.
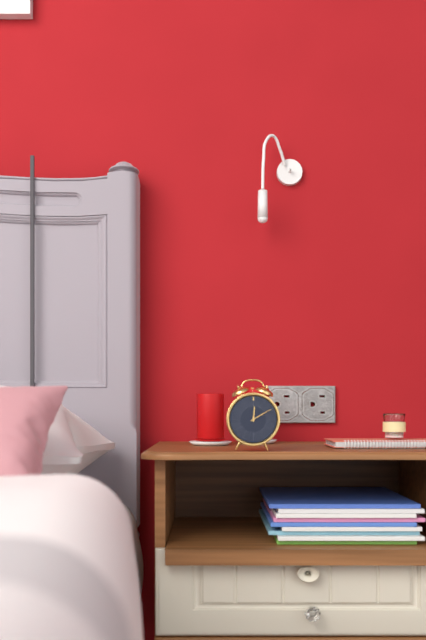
12h10
